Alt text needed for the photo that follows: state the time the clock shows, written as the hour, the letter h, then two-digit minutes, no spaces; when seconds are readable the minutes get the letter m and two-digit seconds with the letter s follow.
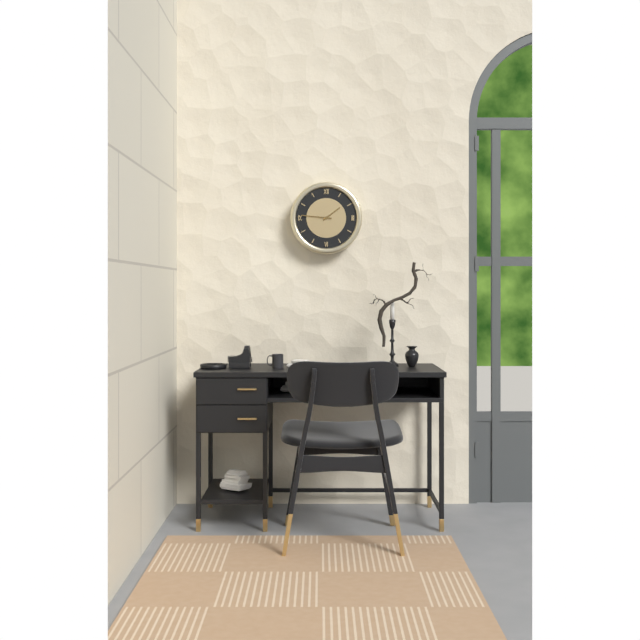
1h46
